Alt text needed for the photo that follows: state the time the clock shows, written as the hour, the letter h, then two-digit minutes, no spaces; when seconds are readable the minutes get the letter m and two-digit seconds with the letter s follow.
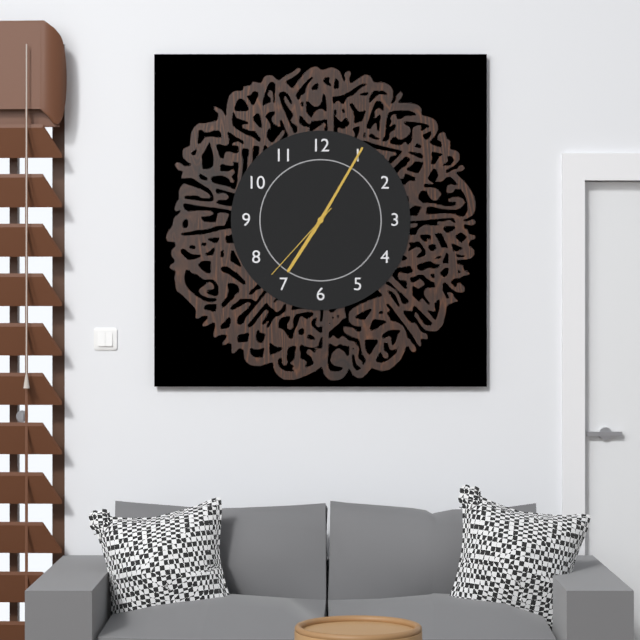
7h05m37s
